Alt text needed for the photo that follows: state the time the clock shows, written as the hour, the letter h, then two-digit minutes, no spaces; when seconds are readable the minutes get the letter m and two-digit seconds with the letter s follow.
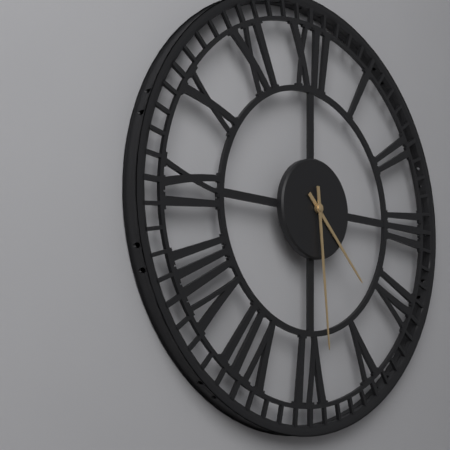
4h29
